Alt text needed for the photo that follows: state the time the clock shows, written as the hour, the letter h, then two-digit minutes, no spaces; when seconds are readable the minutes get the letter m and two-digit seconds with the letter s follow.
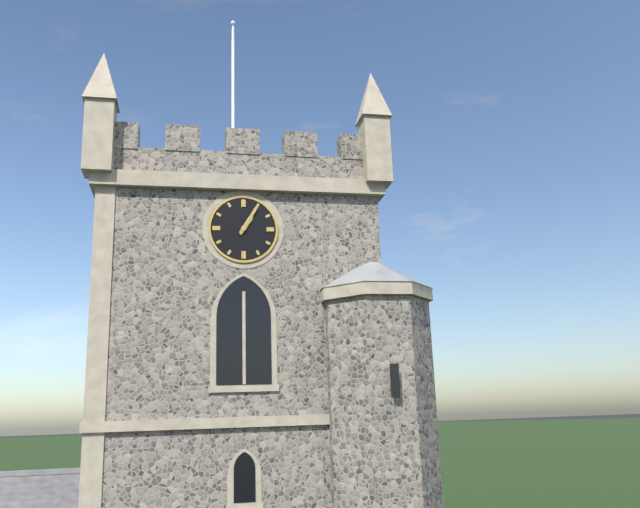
1h05
